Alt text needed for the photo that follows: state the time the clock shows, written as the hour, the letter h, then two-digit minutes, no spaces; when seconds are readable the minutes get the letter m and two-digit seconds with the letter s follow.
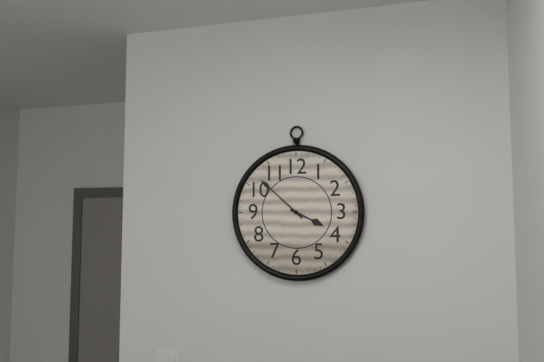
3h52
